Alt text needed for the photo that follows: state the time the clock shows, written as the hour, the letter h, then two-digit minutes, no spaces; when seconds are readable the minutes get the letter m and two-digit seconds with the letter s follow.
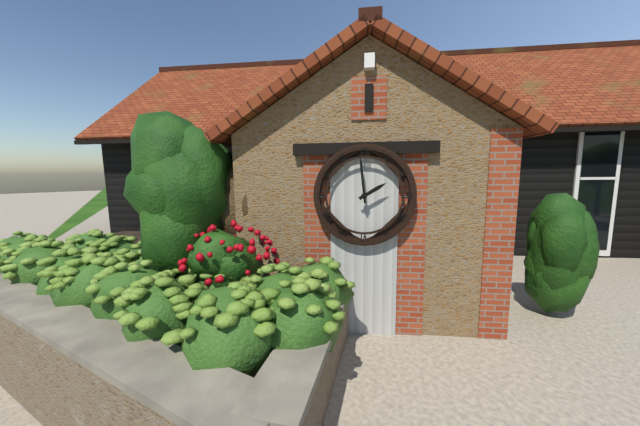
1h59
